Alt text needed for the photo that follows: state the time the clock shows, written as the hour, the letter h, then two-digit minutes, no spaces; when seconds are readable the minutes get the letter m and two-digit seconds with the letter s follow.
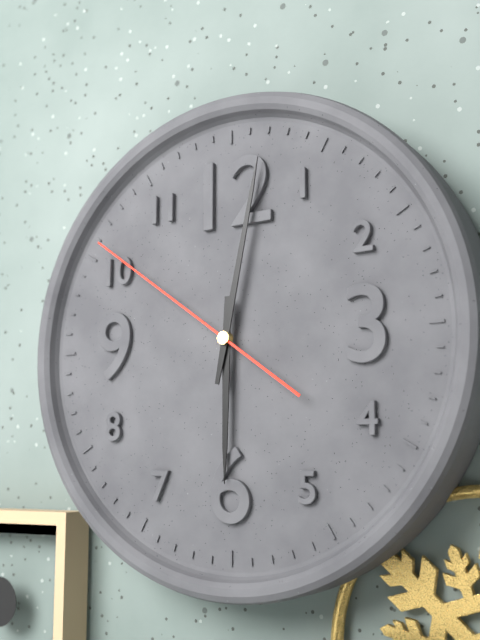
6h02m51s
